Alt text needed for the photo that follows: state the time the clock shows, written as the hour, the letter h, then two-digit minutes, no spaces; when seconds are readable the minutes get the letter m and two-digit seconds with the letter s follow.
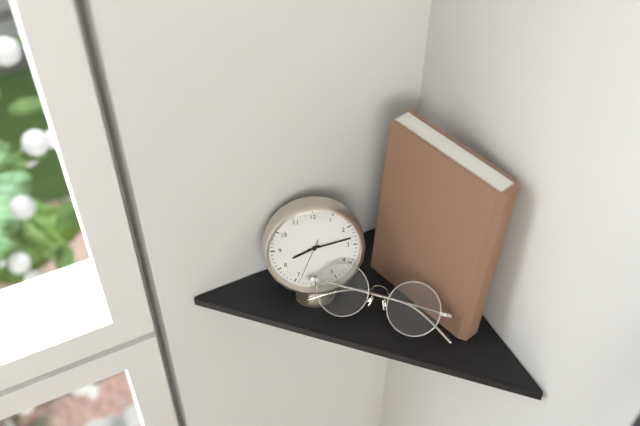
8h13
